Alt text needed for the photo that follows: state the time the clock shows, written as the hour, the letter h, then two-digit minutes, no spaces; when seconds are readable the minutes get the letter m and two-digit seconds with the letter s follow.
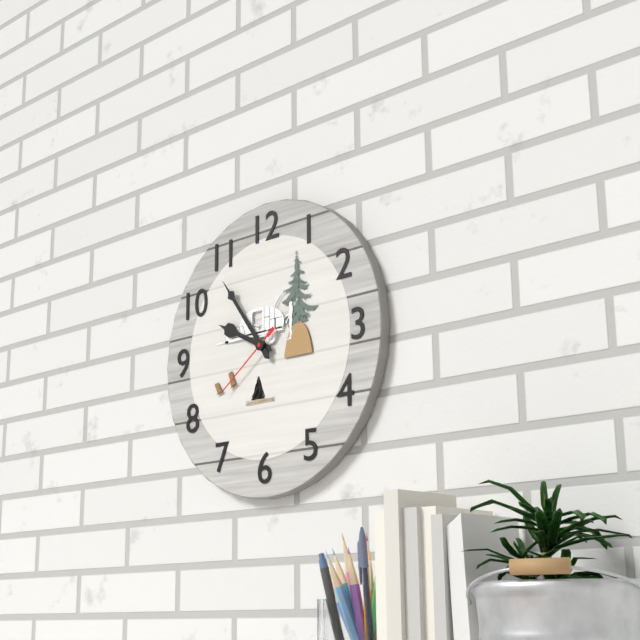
9h54m39s
